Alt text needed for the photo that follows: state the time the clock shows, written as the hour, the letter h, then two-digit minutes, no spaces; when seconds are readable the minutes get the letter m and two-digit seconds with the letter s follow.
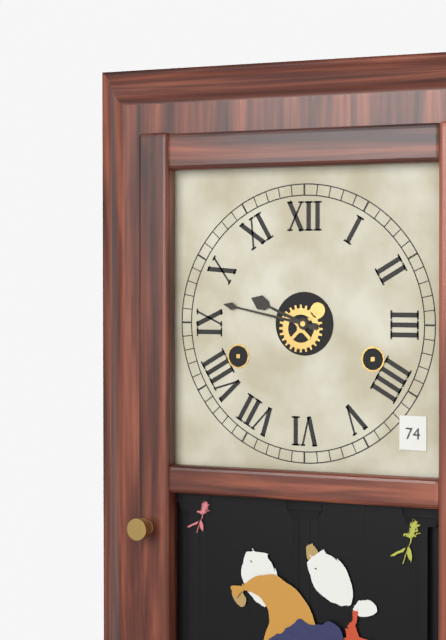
9h47
